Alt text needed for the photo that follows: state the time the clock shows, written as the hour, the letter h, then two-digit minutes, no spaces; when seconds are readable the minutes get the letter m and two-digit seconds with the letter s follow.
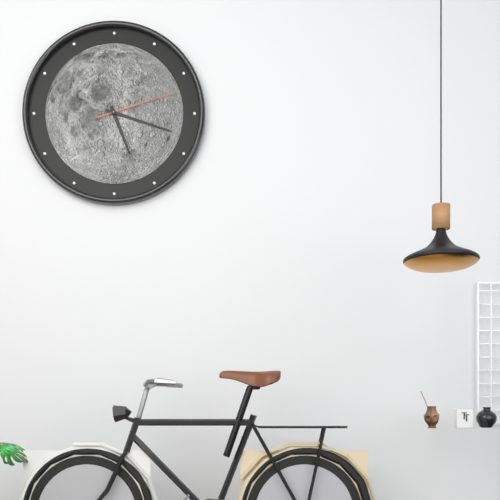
5h18m12s
